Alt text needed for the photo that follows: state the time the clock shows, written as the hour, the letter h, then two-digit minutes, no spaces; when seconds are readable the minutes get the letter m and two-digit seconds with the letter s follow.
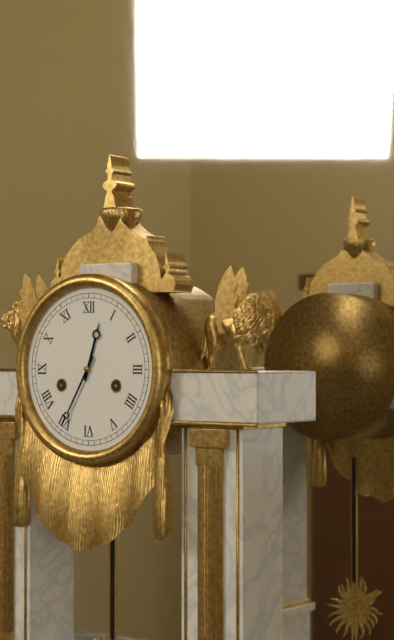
12h35
